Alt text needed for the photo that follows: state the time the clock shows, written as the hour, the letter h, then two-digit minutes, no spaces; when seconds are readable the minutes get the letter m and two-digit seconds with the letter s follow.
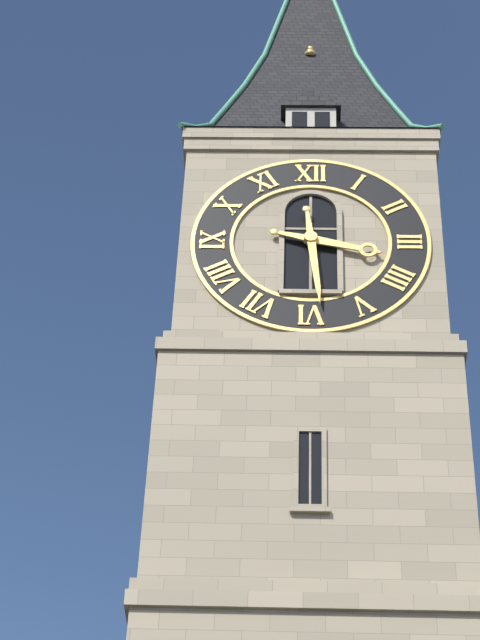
3h29
